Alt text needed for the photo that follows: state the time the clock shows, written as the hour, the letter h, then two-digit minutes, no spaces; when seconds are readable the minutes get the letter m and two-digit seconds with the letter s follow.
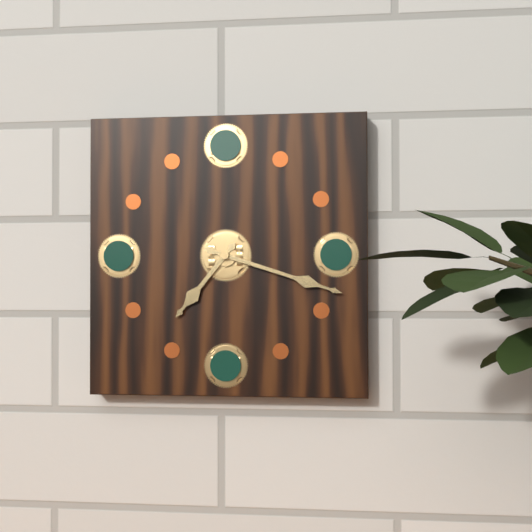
7h18
